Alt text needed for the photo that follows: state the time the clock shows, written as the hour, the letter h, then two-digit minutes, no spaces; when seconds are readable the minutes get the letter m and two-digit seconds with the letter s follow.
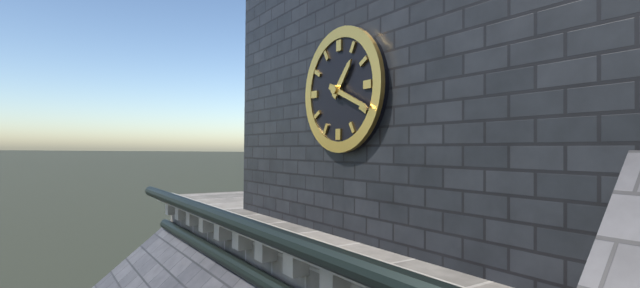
1h19
